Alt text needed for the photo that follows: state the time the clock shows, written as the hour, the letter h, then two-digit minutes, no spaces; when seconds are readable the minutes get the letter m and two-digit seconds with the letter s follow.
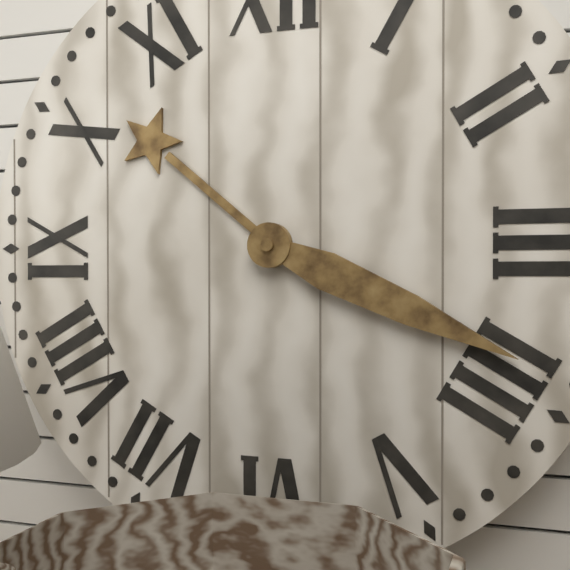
10h19
